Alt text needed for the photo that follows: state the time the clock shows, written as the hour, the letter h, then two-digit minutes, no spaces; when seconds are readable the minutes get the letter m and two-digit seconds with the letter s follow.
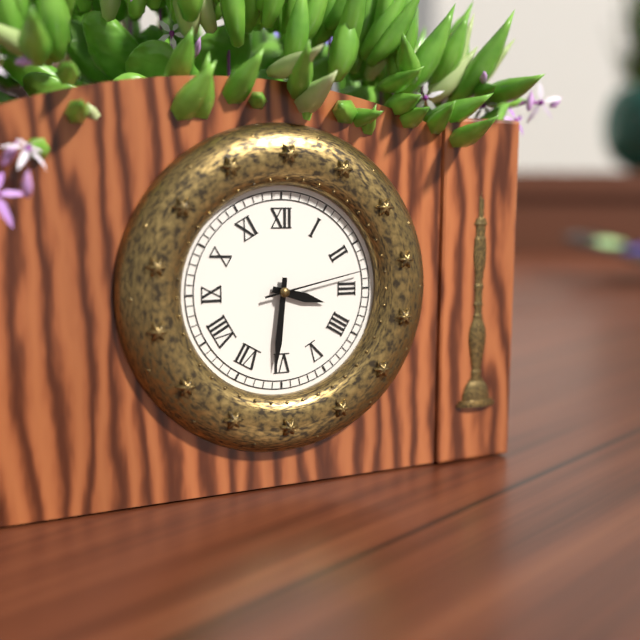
3h31m13s
